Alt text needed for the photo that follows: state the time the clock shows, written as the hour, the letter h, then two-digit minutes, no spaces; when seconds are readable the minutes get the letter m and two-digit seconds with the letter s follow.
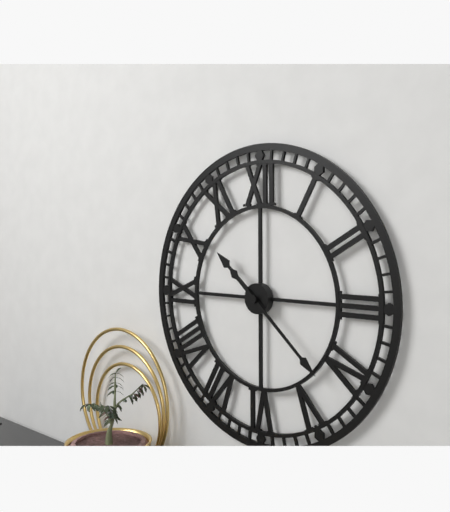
10h22
